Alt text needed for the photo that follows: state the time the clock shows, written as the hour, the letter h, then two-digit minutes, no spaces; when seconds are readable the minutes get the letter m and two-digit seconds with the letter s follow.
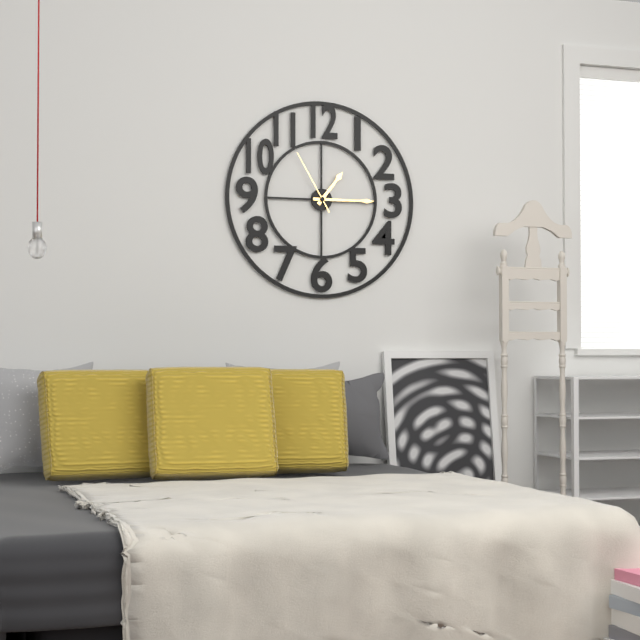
1h15m55s
